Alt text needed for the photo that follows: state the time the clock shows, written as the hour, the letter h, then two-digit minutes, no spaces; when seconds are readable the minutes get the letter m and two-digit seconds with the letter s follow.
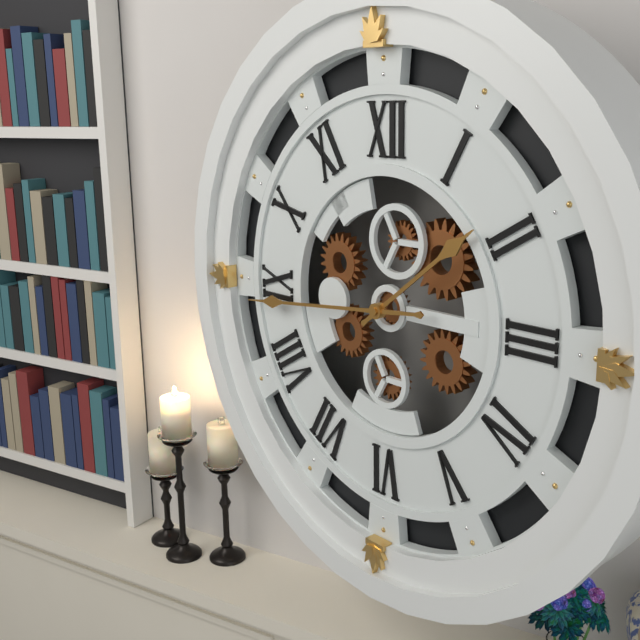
1h44
